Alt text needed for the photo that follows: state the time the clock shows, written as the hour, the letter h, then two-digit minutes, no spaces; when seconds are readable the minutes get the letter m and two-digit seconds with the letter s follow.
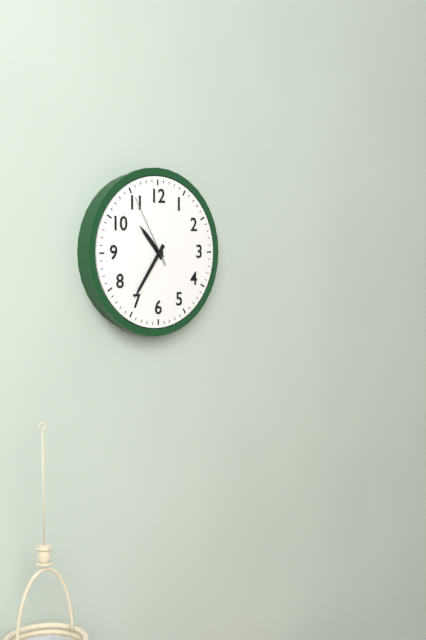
10h36m55s
